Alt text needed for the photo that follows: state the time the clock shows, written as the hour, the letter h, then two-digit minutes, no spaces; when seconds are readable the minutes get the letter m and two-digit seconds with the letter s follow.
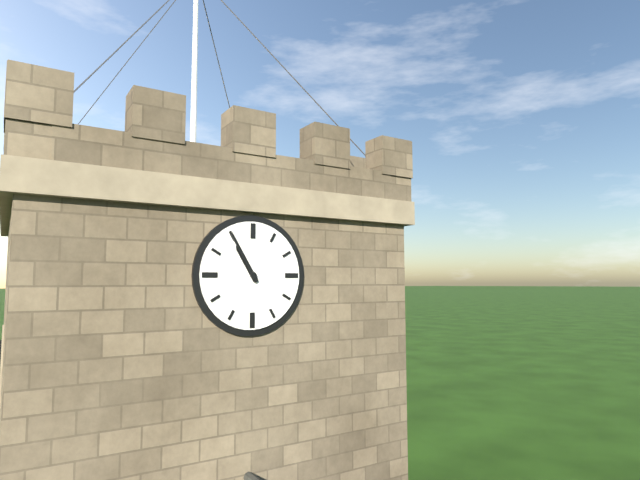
10h55
